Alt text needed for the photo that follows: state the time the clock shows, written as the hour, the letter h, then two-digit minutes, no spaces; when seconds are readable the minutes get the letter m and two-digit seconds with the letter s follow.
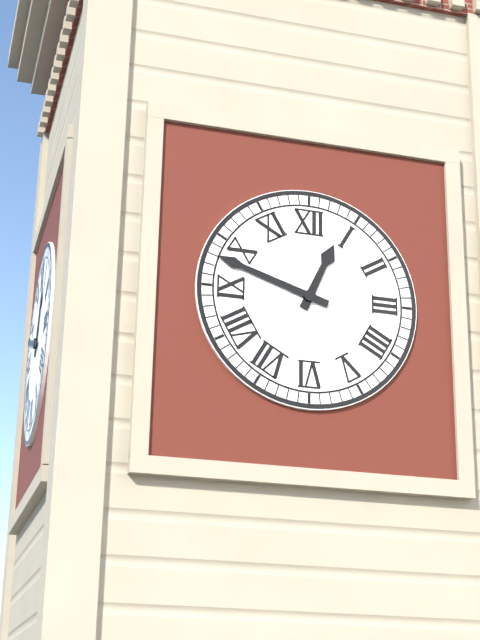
12h48
